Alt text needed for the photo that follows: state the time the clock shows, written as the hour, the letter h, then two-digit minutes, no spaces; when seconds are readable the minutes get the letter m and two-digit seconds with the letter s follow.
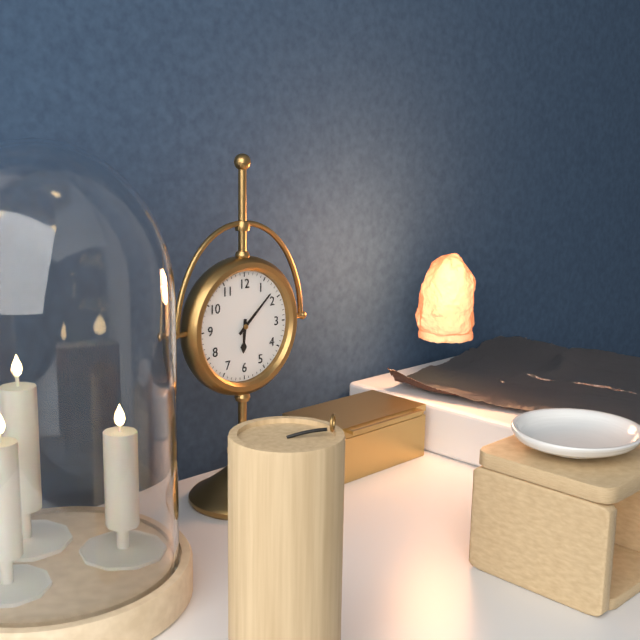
6h08
